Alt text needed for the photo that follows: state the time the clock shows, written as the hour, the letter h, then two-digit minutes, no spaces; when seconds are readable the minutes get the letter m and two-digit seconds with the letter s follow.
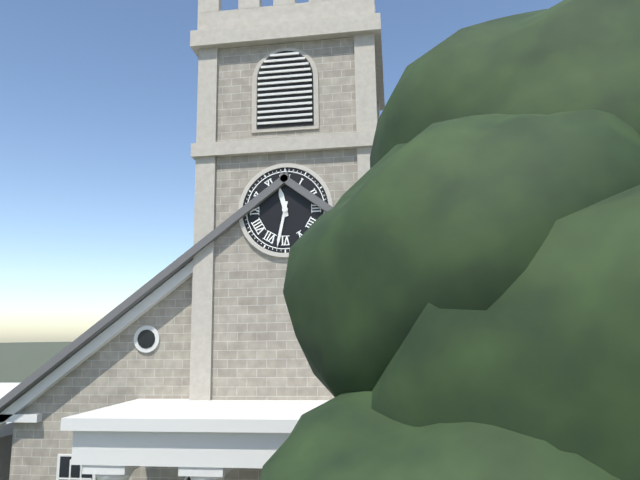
11h32
